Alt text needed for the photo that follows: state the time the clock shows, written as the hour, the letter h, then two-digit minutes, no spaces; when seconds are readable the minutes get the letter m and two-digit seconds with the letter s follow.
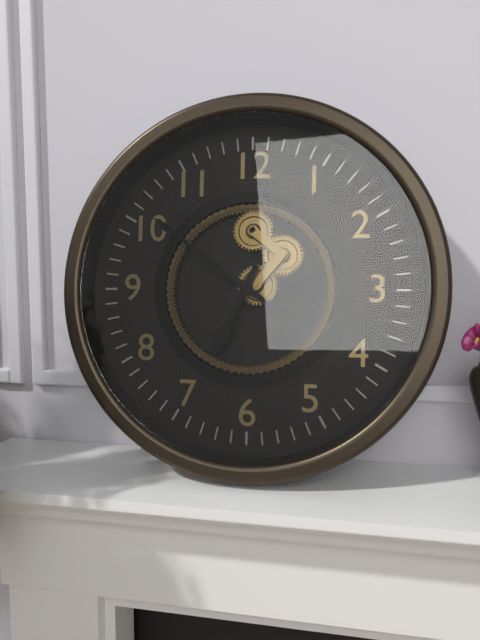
6h51
